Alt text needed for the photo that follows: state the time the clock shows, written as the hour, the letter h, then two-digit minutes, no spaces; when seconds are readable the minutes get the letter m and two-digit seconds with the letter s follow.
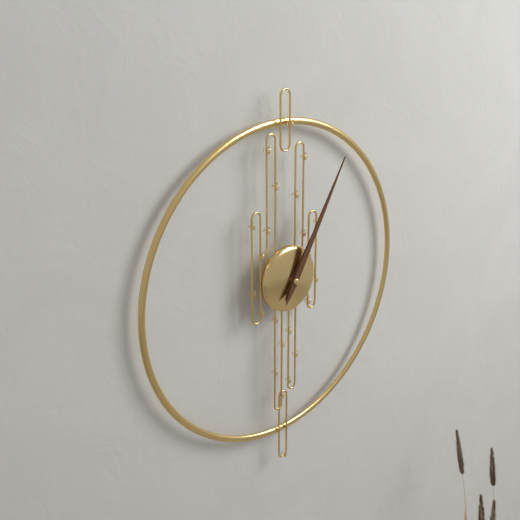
1h05
